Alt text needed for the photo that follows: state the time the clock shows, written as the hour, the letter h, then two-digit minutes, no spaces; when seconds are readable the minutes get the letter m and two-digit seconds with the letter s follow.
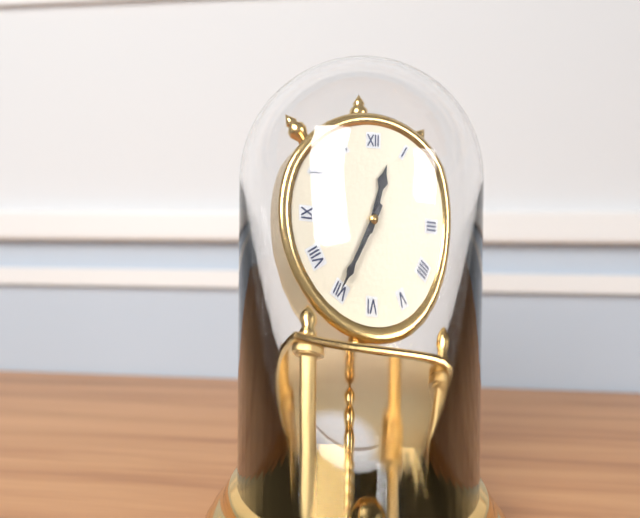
12h35
